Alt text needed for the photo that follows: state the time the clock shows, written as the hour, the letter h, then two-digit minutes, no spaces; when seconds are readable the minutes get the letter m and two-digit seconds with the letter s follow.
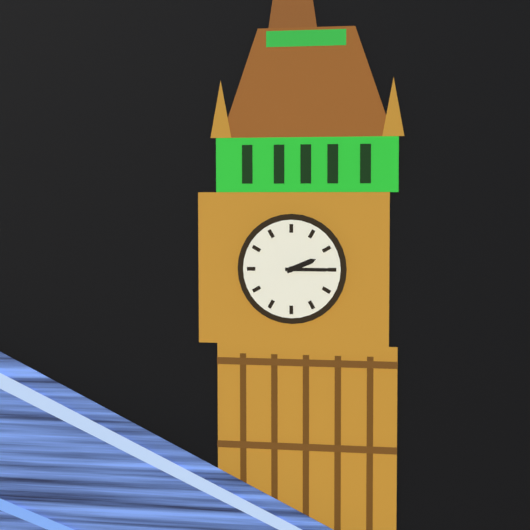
2h15
